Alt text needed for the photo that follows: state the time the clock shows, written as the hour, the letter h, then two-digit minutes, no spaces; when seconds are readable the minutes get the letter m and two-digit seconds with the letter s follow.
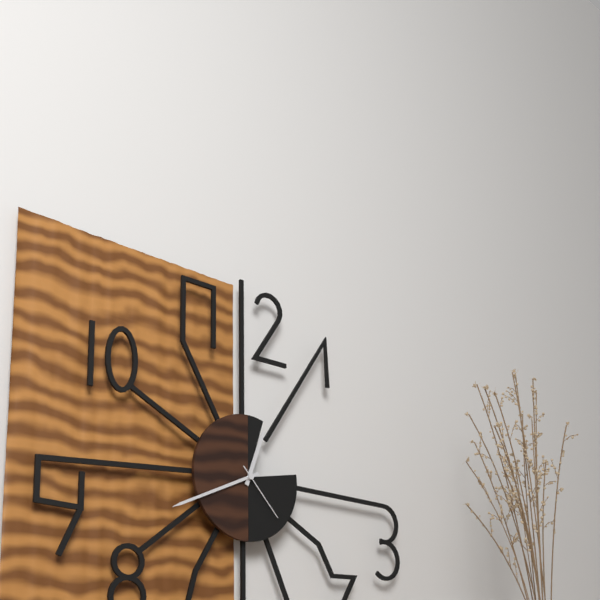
12h41m23s
